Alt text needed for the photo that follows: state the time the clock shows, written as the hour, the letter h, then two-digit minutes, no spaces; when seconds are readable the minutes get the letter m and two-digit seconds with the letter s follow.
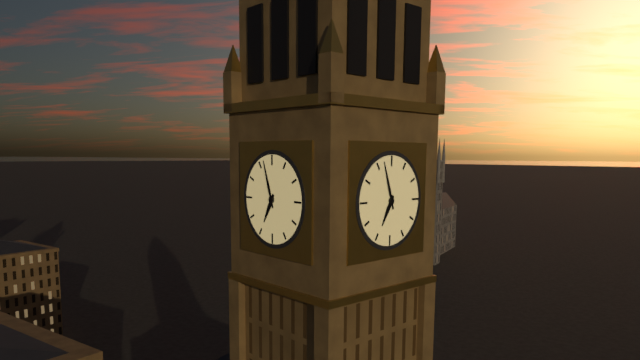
6h57
